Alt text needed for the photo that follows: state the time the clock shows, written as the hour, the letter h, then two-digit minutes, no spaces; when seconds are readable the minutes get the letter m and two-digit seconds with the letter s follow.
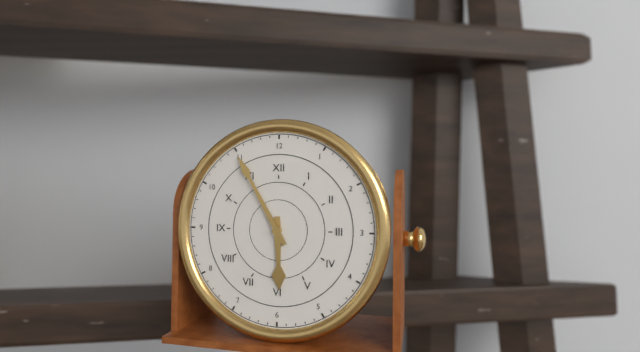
5h55
